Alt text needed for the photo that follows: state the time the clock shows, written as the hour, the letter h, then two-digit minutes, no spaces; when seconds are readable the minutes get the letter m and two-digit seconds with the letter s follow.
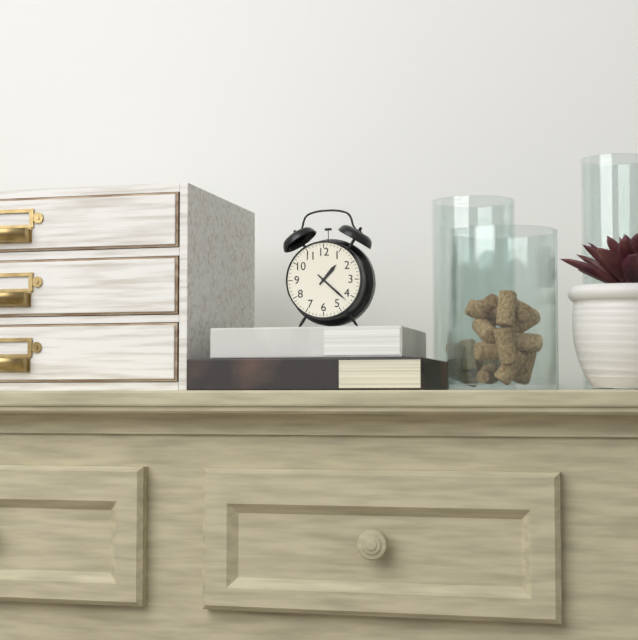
1h22
